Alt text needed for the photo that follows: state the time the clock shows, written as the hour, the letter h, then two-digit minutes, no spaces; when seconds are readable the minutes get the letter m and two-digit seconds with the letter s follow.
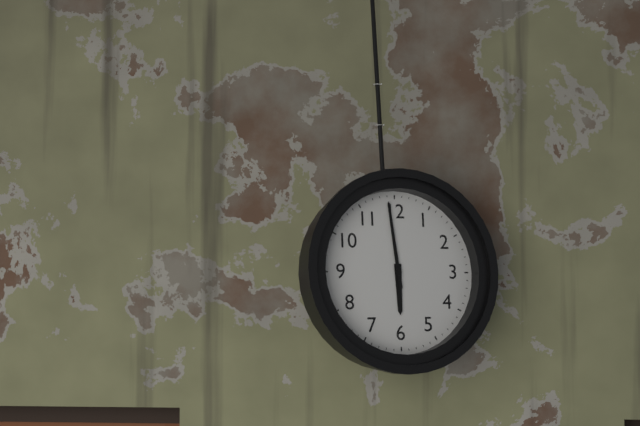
5h59
